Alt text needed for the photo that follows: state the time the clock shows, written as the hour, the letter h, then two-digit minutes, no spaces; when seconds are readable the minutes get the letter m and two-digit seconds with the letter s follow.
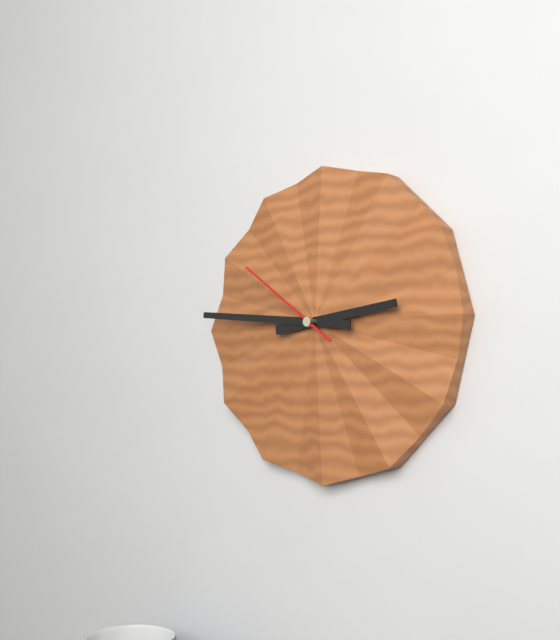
2h46m51s
